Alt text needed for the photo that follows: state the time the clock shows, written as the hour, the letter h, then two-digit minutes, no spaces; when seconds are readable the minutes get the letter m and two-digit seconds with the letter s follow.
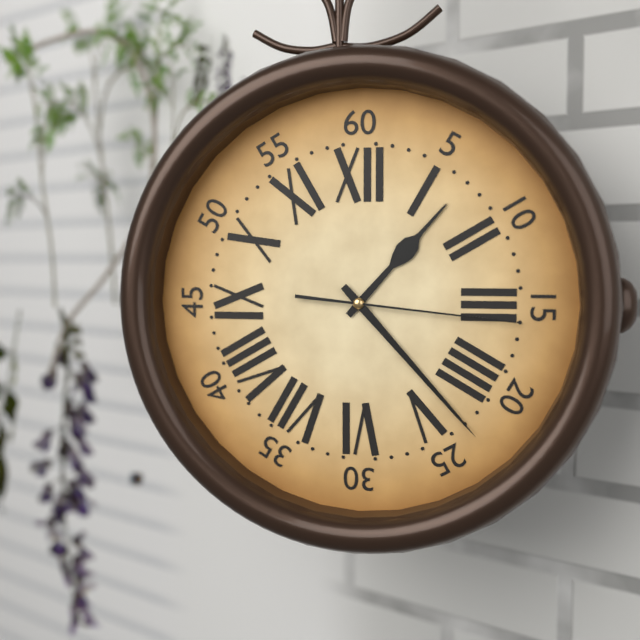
1h23m16s
